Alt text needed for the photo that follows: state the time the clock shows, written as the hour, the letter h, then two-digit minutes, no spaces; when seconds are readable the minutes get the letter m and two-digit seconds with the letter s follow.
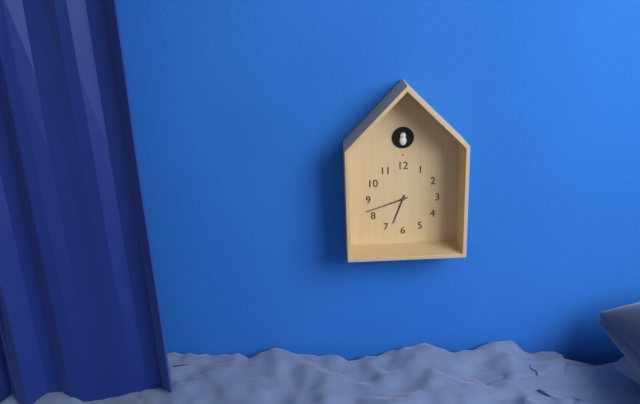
6h42
